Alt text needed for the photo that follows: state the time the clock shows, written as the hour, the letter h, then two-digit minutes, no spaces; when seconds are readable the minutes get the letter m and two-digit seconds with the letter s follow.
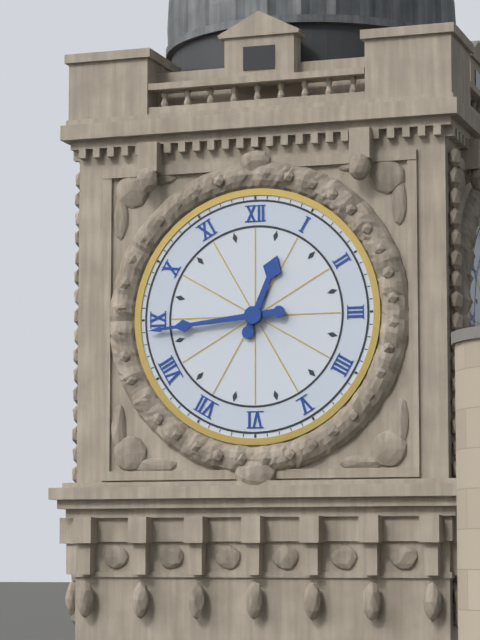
12h44
